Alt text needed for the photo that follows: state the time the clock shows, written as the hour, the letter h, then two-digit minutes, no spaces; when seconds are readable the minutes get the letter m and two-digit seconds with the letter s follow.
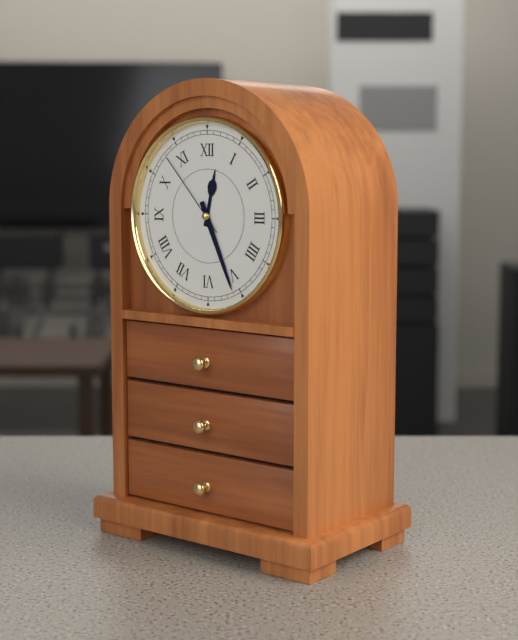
12h26m53s
